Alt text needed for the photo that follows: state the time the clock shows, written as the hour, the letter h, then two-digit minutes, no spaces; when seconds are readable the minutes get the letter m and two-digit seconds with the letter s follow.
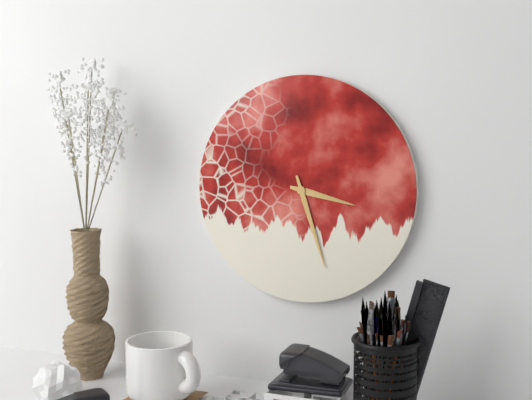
3h27
